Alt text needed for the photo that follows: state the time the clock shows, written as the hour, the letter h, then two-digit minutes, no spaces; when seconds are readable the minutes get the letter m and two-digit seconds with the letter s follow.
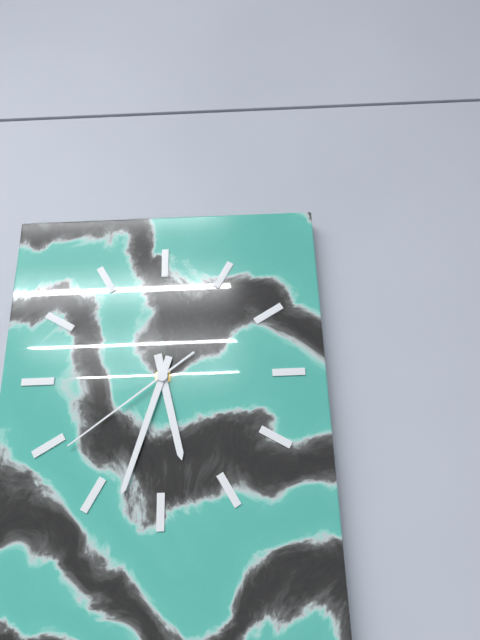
5h33m39s
